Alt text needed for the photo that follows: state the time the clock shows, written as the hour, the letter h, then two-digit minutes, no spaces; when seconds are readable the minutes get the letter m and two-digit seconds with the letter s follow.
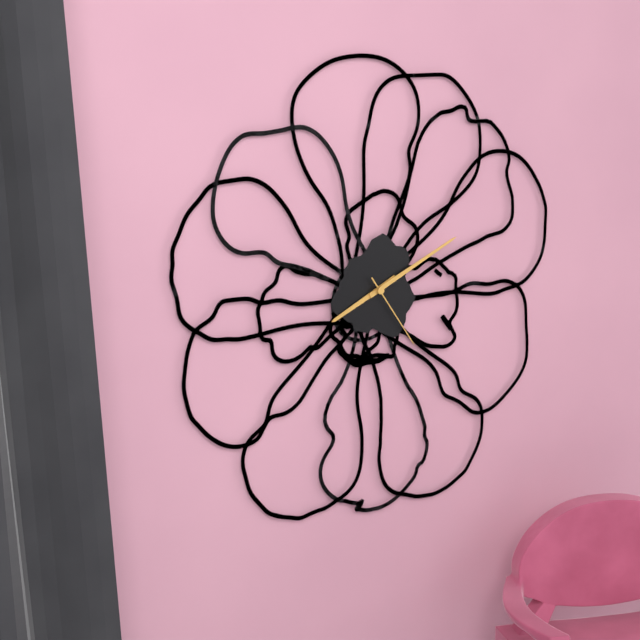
8h11m24s
